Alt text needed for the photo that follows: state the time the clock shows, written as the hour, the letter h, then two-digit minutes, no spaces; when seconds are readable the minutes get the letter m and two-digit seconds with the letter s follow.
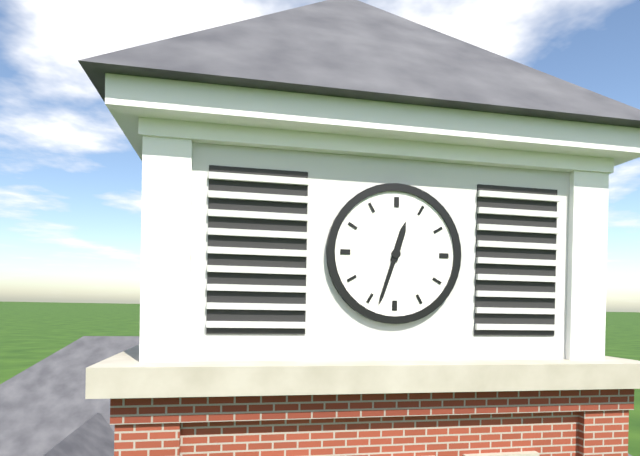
12h33
